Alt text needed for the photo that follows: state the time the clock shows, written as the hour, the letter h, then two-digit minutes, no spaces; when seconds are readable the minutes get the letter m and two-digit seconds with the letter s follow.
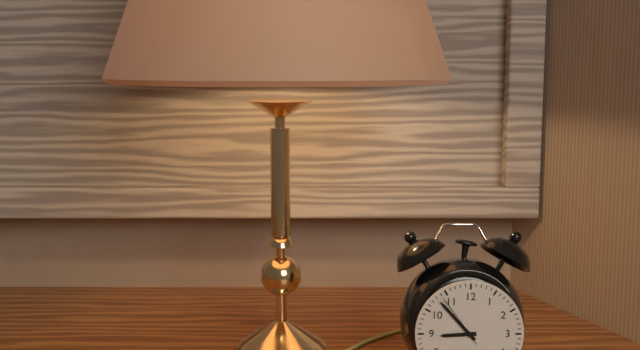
8h53m54s
